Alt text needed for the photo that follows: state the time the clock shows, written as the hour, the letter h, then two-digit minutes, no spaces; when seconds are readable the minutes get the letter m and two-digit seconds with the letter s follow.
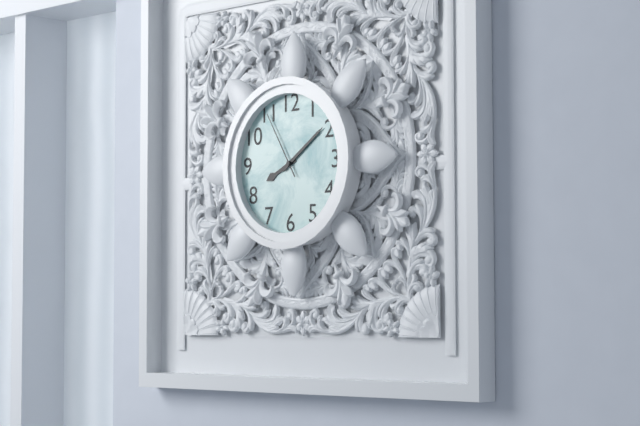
8h09m55s
